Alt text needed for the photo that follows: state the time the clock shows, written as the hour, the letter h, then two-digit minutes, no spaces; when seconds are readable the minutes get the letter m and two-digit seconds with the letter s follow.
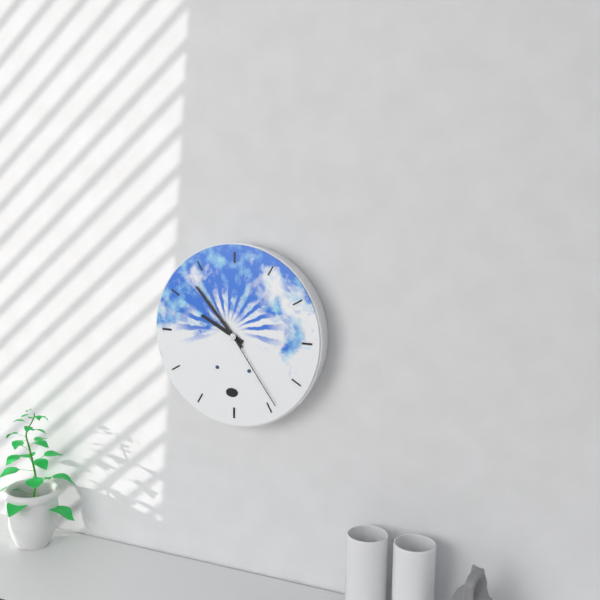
9h53m24s
